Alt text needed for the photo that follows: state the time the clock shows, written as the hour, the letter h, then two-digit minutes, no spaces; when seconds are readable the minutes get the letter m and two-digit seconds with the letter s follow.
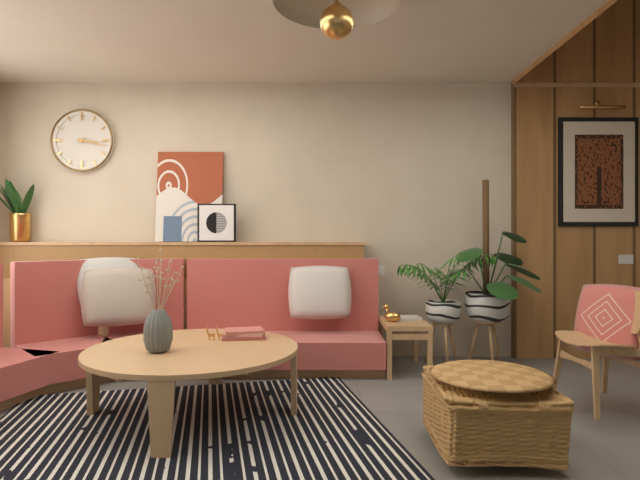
3h17
